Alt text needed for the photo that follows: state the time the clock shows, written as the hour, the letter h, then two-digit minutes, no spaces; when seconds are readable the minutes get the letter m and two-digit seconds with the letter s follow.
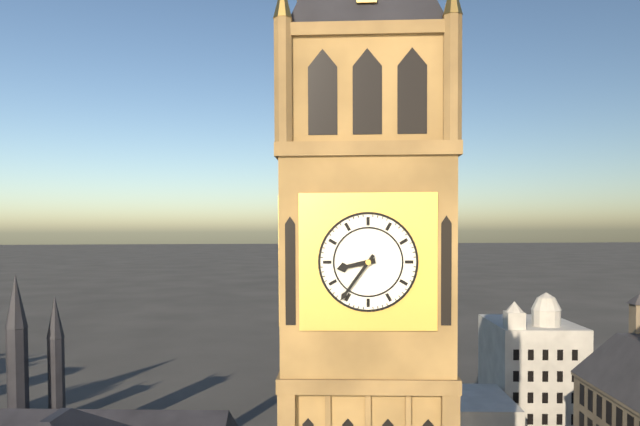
8h36
